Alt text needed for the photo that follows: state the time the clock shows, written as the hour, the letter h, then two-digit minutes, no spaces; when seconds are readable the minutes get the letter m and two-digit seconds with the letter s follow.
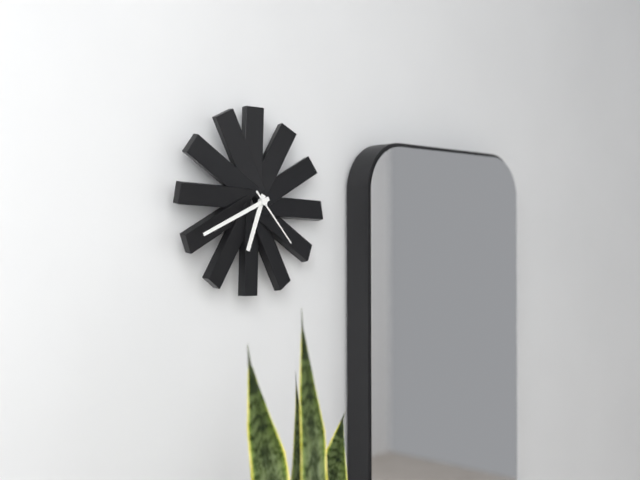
6h41m23s
